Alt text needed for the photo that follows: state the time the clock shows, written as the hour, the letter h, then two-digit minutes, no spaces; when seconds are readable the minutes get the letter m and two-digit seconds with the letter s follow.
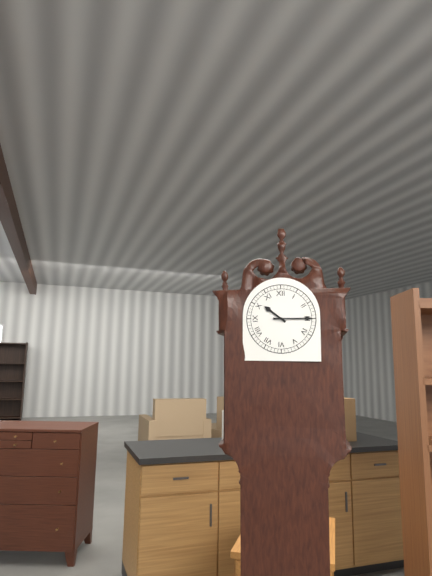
10h15
